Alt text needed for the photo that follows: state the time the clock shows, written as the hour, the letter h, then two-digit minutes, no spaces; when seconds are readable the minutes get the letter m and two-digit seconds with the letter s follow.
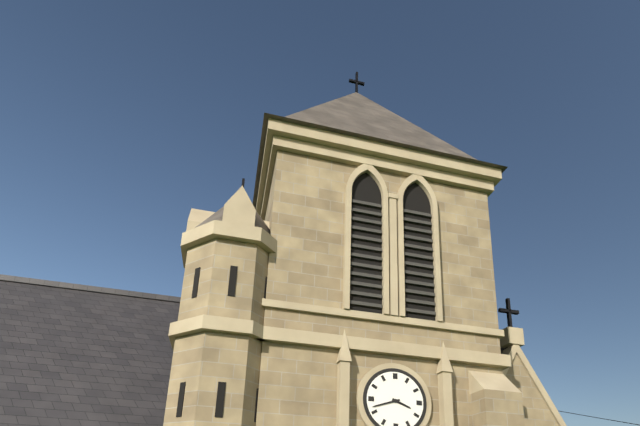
3h42
